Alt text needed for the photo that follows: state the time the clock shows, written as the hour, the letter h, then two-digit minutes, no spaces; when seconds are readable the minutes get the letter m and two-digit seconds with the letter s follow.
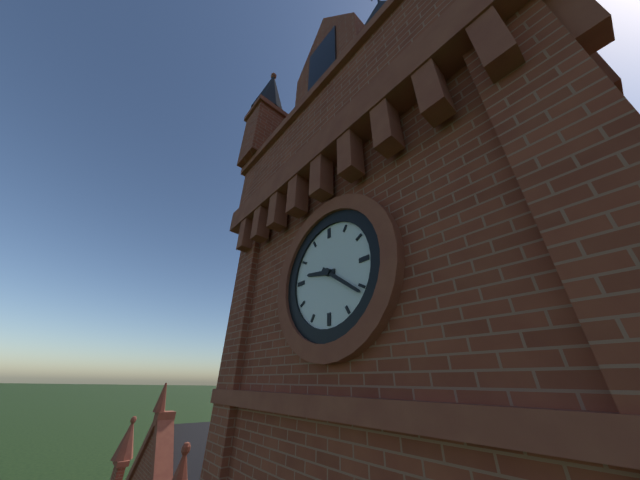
9h21
